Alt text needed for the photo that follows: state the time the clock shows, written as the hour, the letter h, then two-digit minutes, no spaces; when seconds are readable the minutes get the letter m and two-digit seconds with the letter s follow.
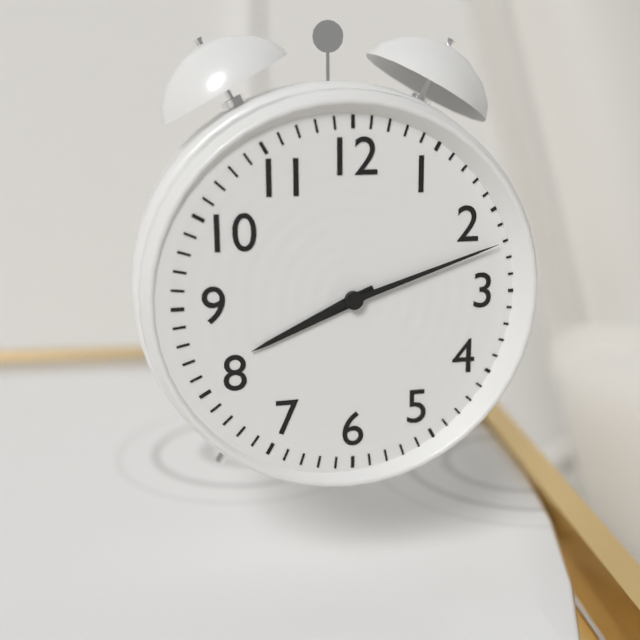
8h12
